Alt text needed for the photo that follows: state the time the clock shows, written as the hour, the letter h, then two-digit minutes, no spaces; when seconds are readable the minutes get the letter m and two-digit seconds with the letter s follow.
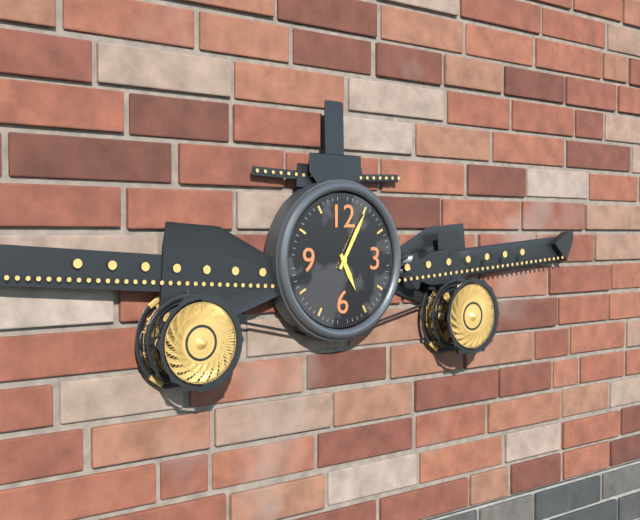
5h05
